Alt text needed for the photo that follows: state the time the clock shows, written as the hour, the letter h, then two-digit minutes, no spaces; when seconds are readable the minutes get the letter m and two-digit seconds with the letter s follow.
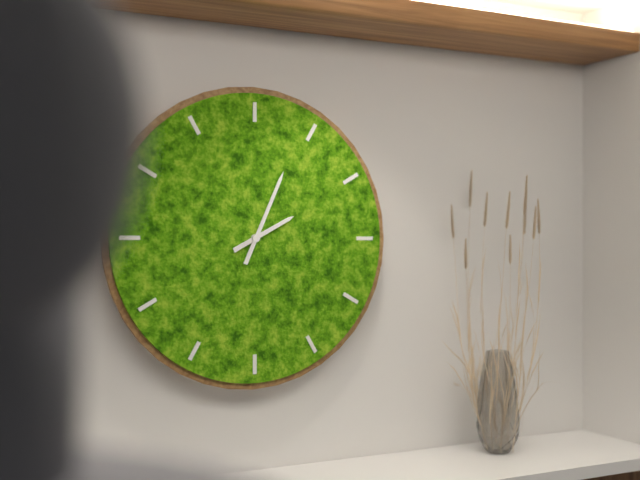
2h04
